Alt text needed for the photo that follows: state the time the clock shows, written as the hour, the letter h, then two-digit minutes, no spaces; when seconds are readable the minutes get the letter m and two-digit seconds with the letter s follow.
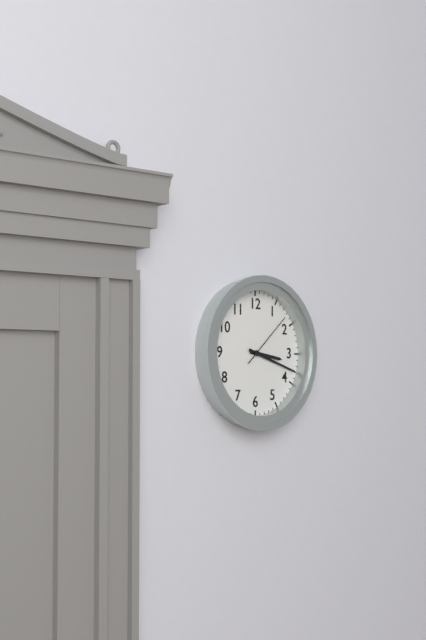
3h18m08s
